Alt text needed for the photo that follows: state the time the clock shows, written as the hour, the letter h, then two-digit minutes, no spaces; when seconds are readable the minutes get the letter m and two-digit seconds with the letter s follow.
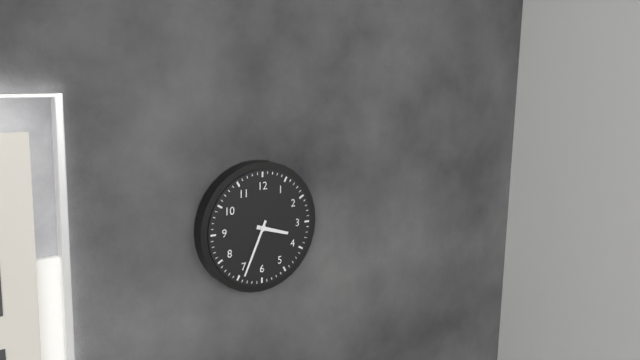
3h34
